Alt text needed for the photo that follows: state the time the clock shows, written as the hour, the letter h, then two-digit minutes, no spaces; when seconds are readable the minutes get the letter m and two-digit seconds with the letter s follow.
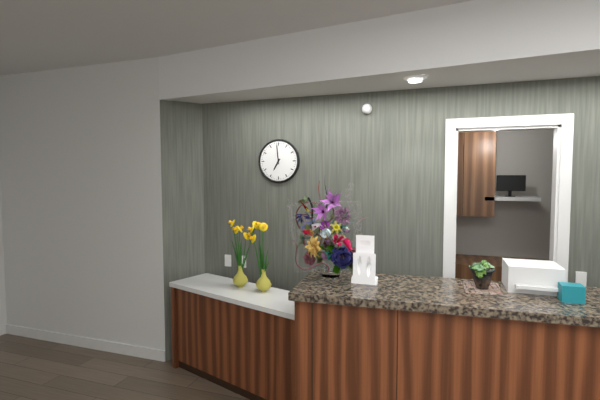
6h59
